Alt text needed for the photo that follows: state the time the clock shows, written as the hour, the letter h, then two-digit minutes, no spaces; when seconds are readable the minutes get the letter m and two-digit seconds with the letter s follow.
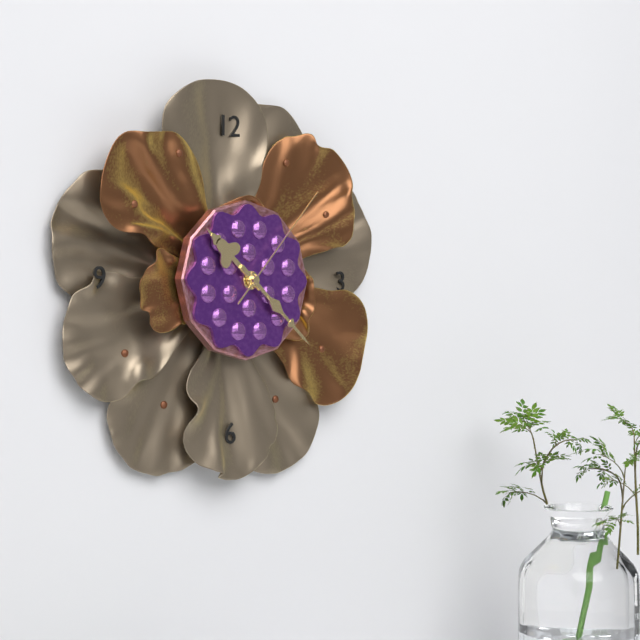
10h22m07s
